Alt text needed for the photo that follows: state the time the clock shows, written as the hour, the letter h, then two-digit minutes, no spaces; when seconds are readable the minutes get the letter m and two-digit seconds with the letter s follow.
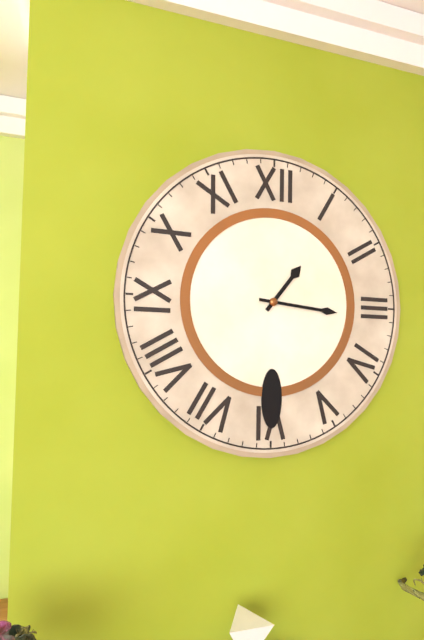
1h16
